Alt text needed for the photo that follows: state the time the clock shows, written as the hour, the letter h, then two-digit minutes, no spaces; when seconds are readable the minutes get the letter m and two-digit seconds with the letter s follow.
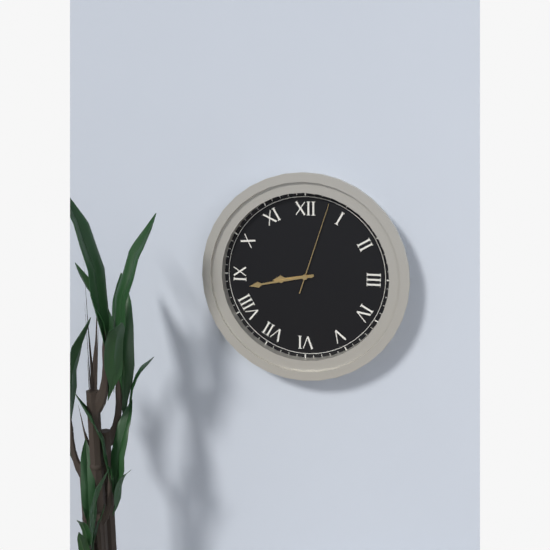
8h43m03s
